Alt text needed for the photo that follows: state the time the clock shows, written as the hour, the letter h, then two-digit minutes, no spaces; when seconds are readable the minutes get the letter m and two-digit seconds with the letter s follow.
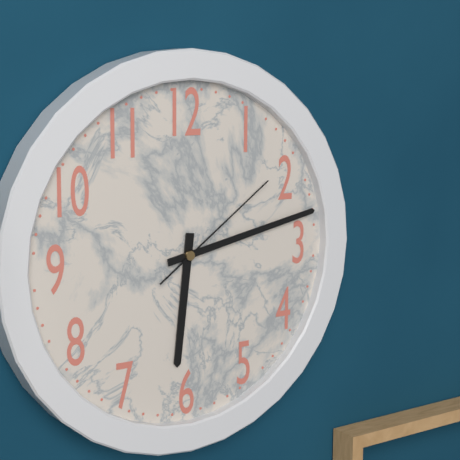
6h13m09s
